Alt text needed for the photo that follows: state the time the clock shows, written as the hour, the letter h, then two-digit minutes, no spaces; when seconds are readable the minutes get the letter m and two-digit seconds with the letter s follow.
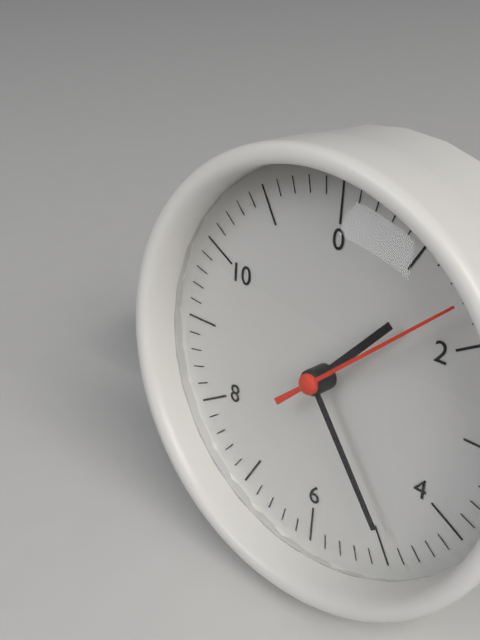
1h24m08s
